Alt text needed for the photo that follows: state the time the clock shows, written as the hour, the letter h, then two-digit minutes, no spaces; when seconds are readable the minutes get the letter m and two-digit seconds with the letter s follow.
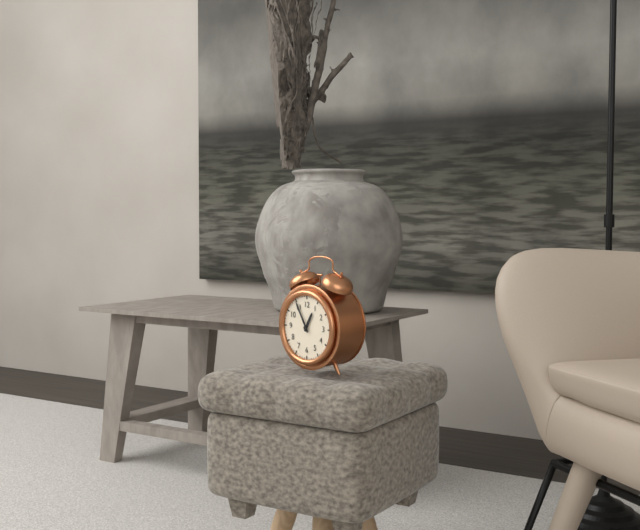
12h55
